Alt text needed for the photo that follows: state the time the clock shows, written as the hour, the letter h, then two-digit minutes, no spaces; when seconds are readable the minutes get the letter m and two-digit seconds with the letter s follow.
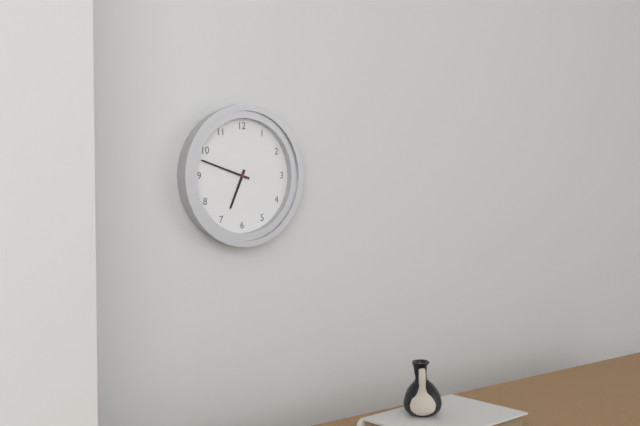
6h48
